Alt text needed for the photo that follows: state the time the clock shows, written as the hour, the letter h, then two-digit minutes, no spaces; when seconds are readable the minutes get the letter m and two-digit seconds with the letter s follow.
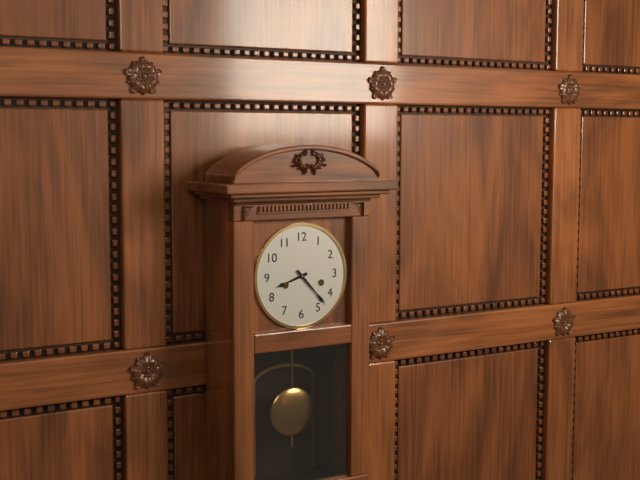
8h23
